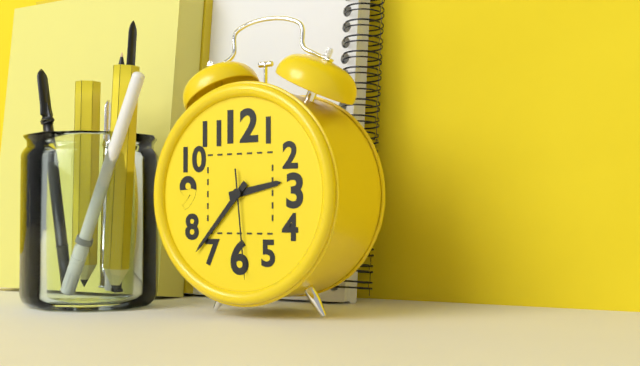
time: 2:37:29
